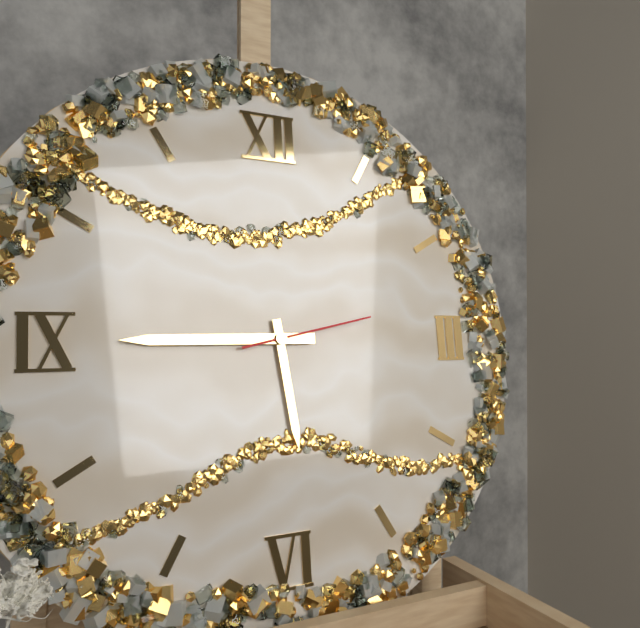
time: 5:45:13
